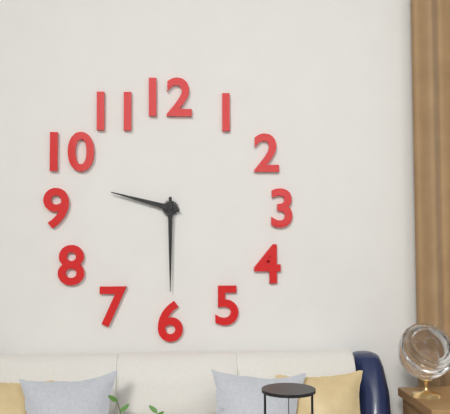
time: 9:30
